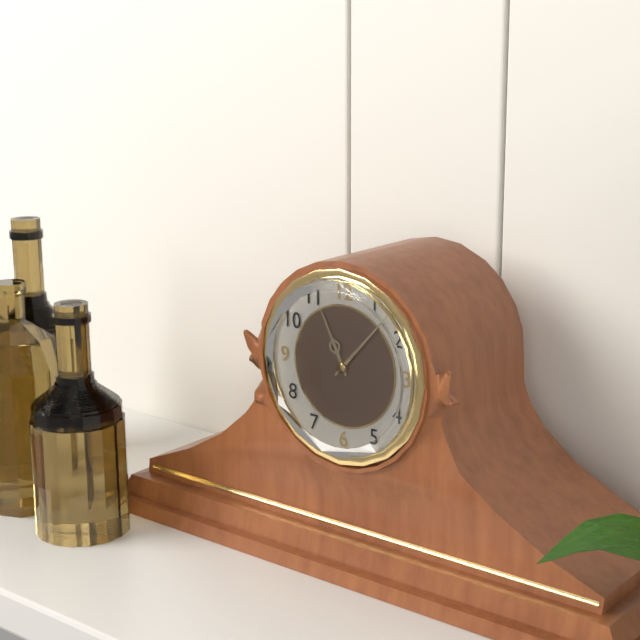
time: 11:07
